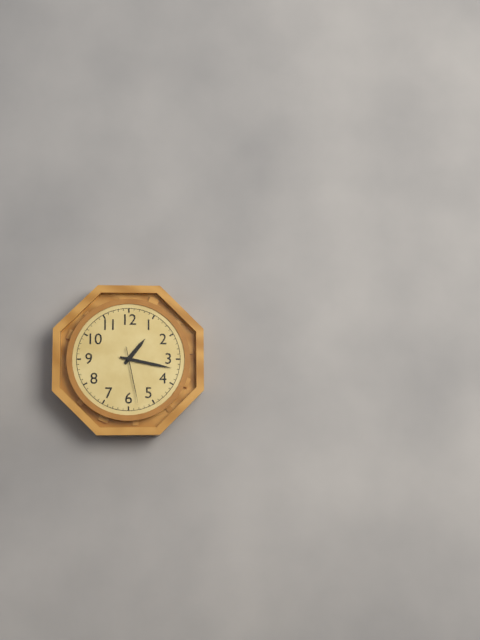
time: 1:17:28
